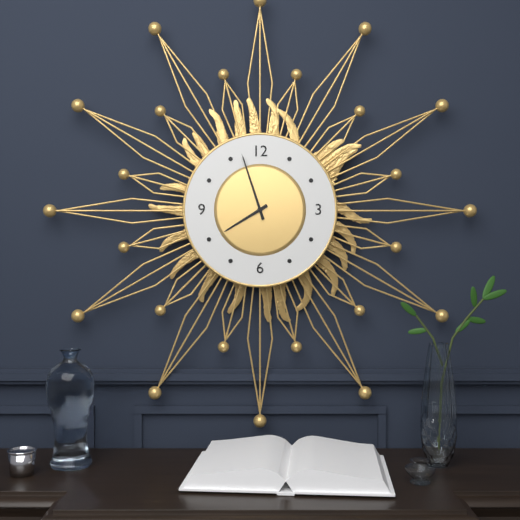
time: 7:57
